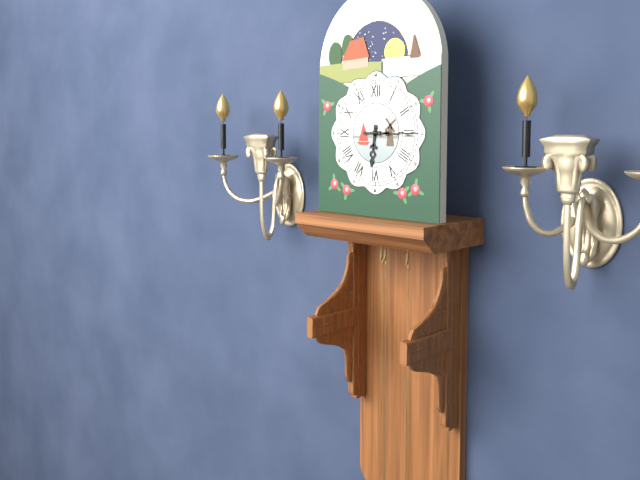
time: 6:15
